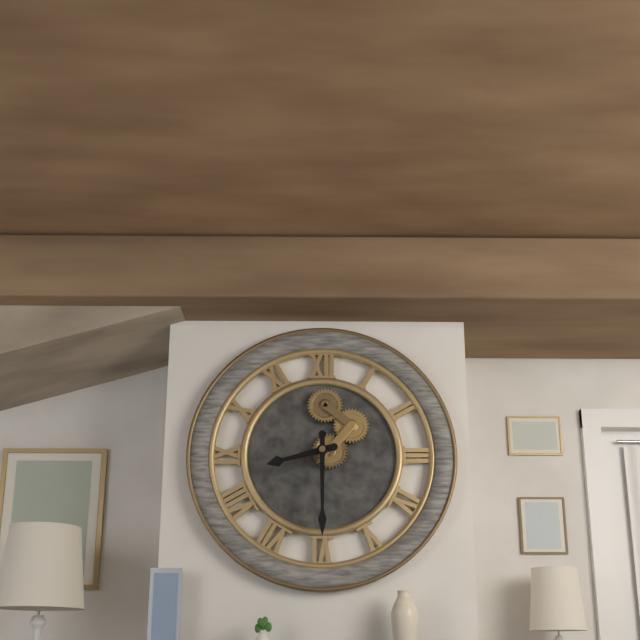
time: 8:30
